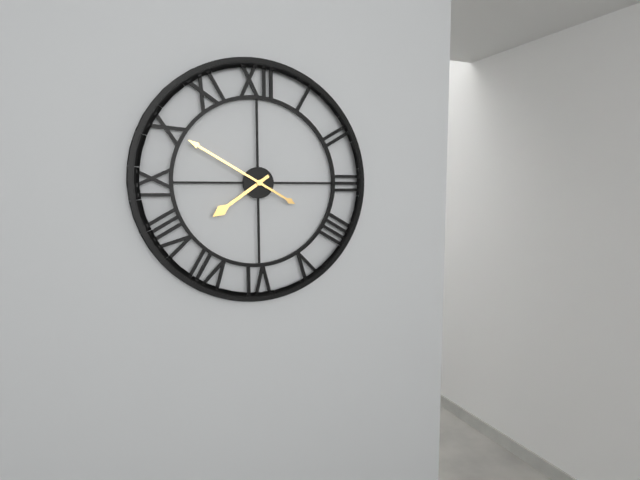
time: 7:50
